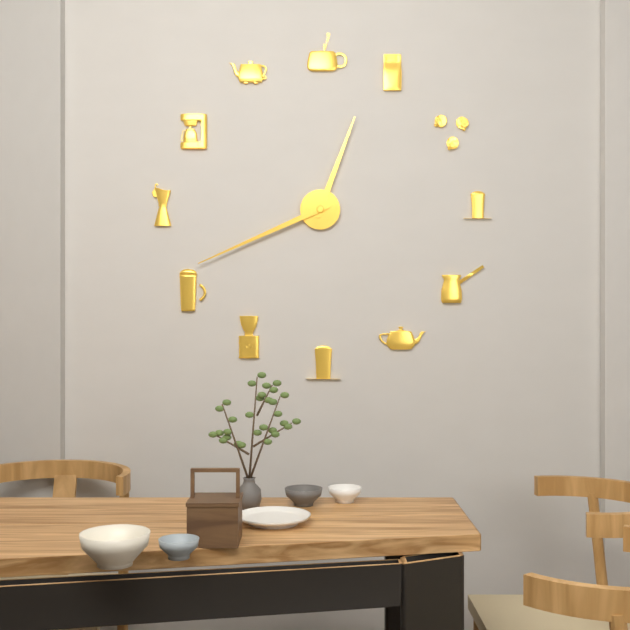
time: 12:41
